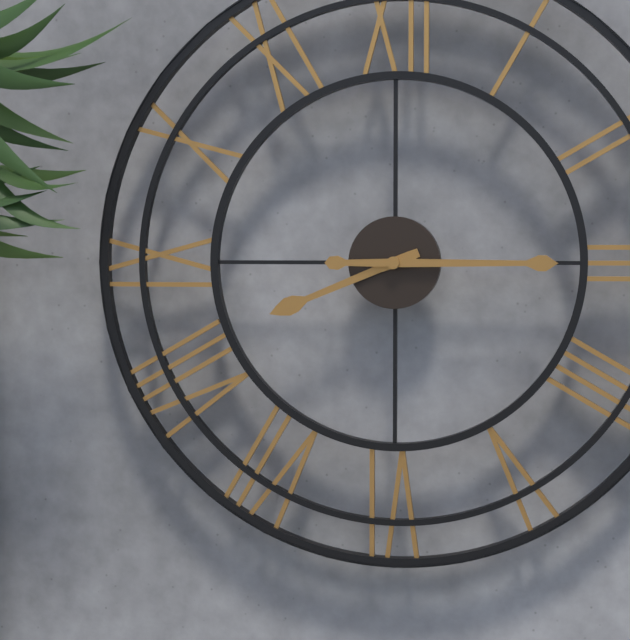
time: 8:15
